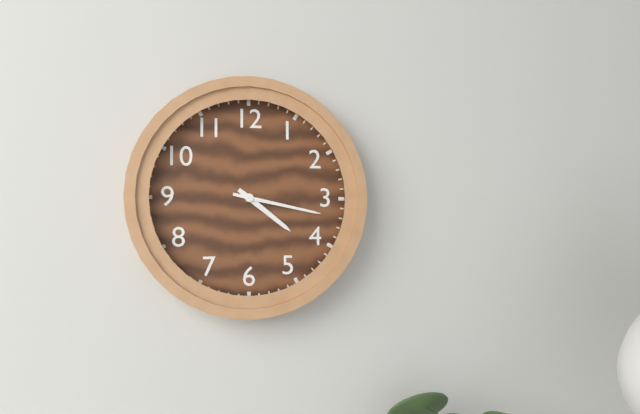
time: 4:17
